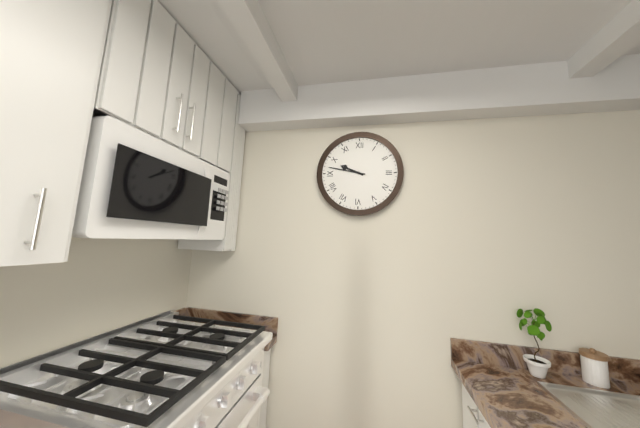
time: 9:47
